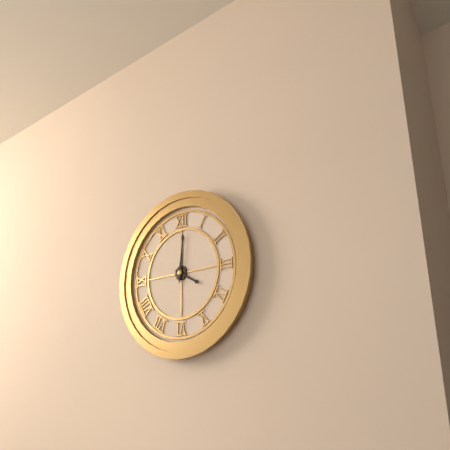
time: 4:01
